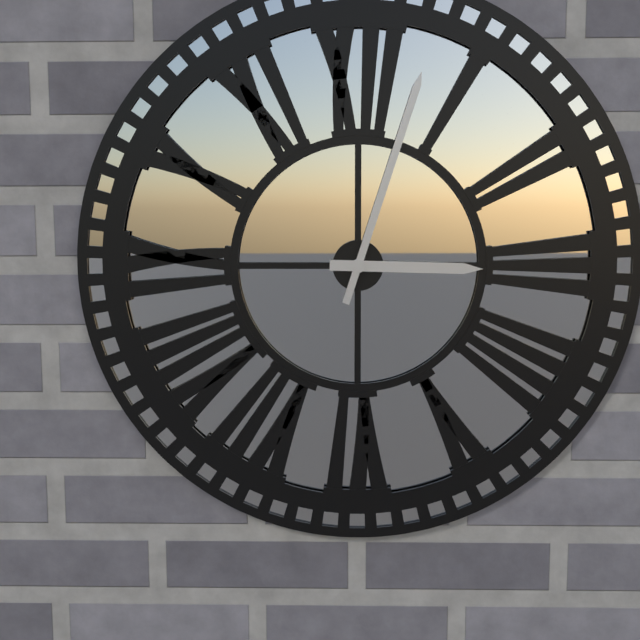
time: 3:03
